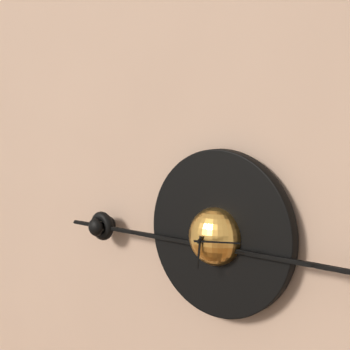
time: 6:14
